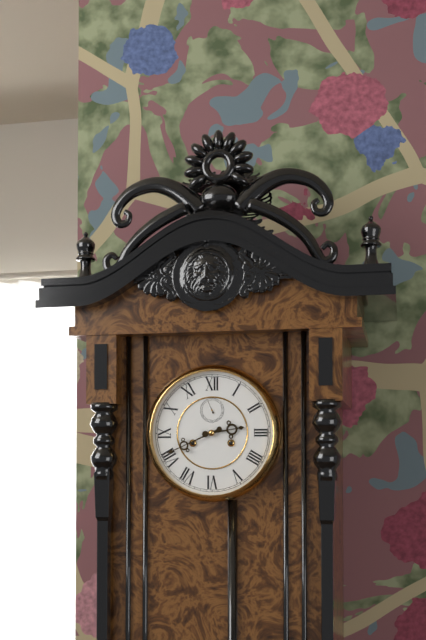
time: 2:41
